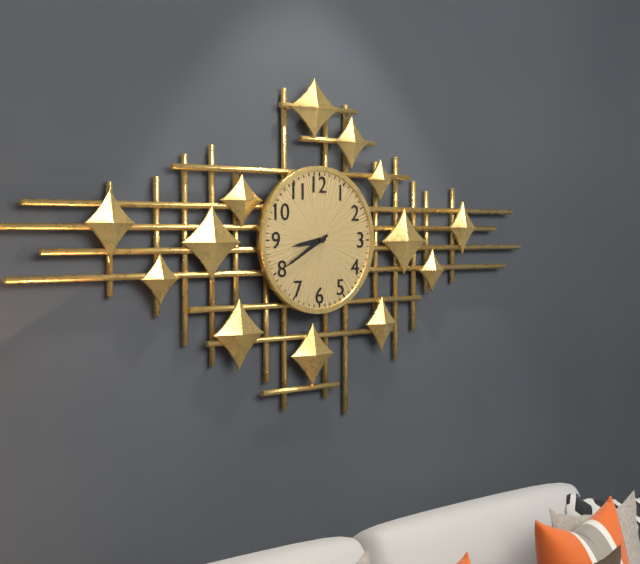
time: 8:40
